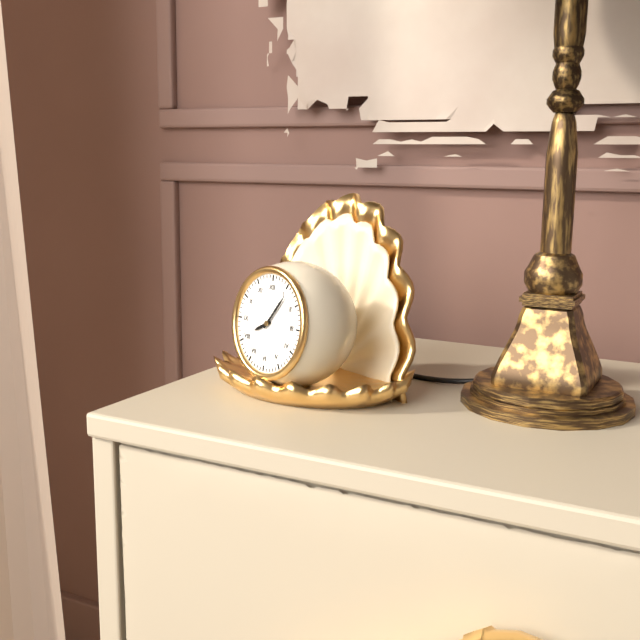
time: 8:06
